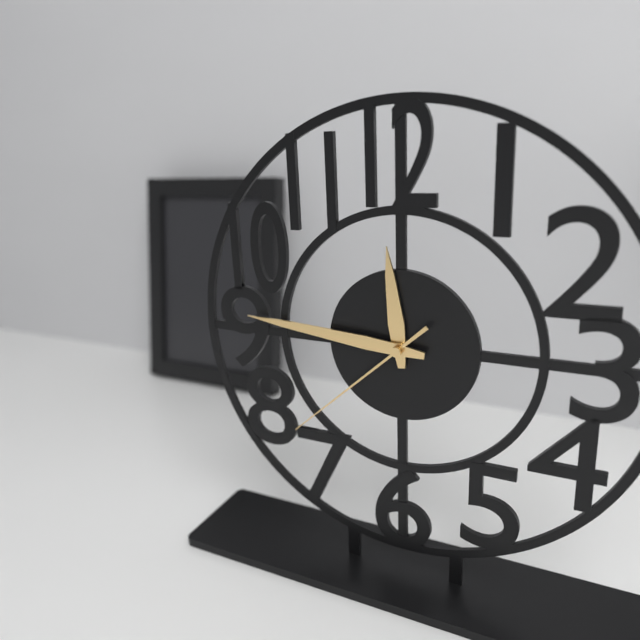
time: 11:46:38
